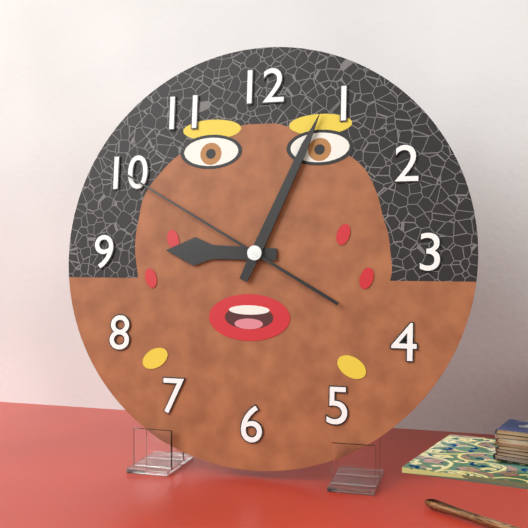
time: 9:04:50
